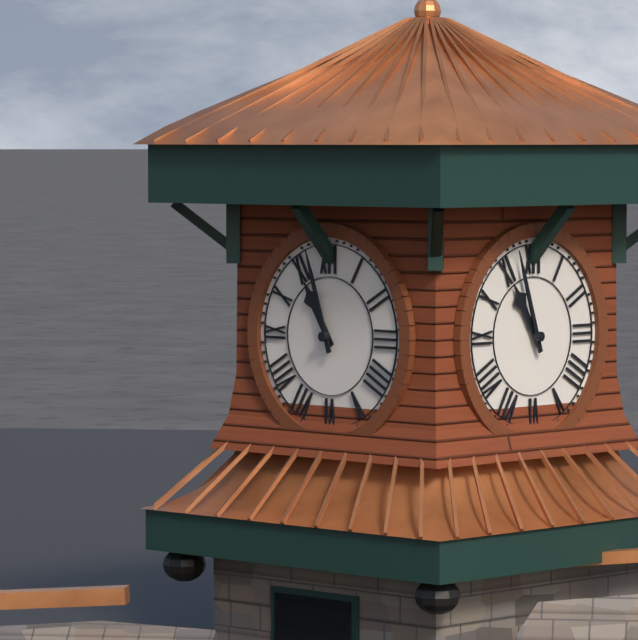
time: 10:57
